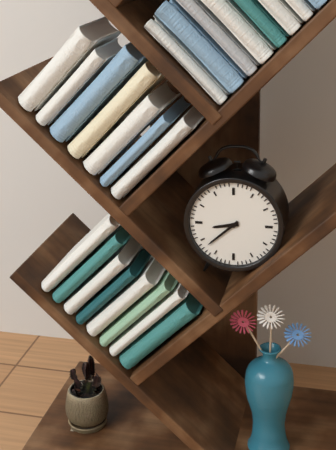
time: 8:38
